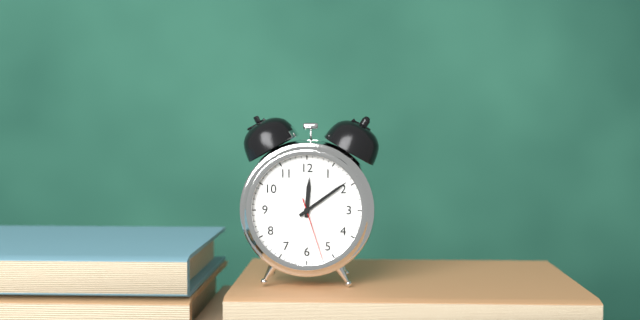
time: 12:09:27
